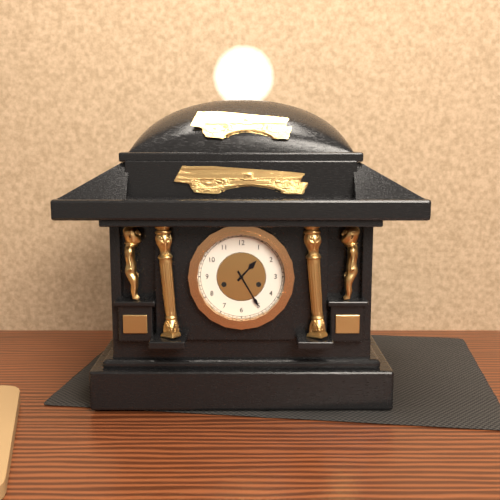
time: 1:25
